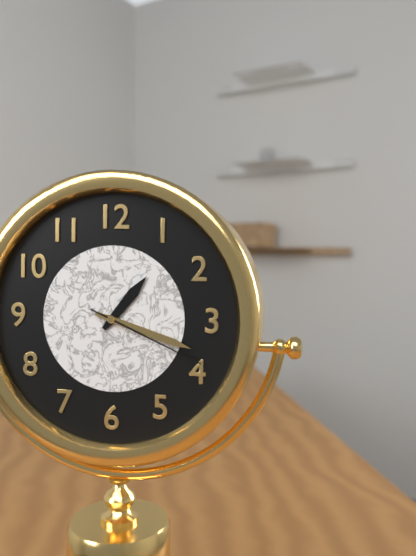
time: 1:18:19
